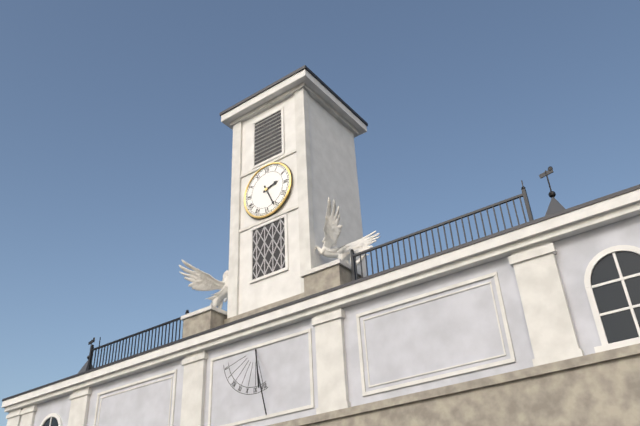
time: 2:26
